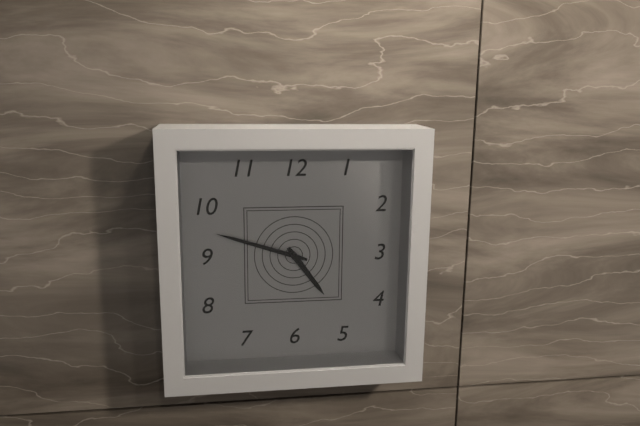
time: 4:48
